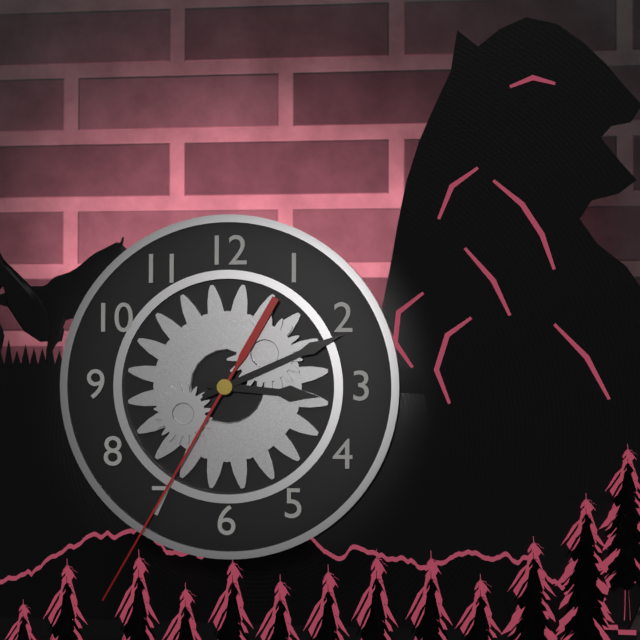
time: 3:11:35
